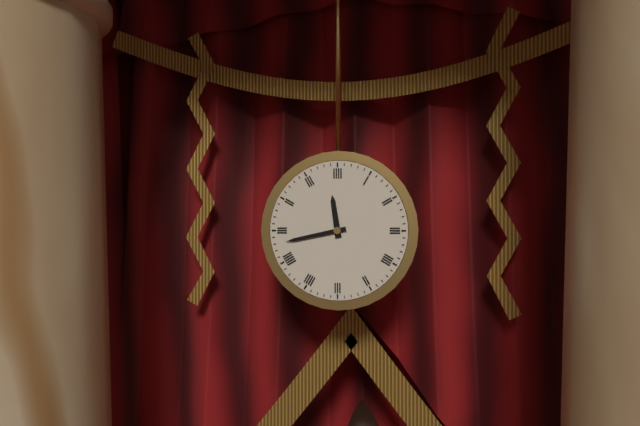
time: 11:43
